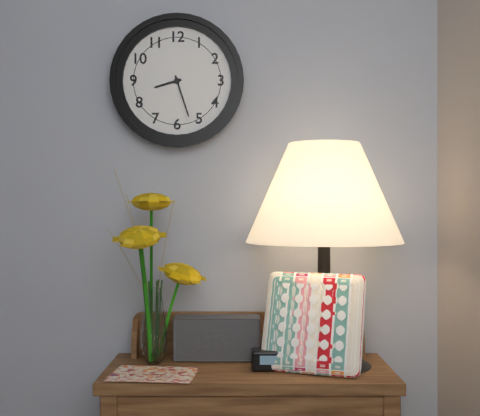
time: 8:27
